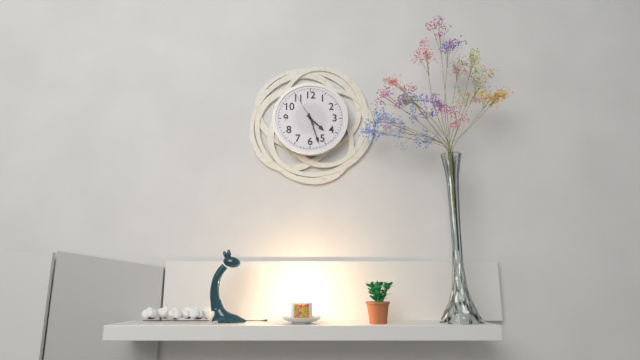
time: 4:27
